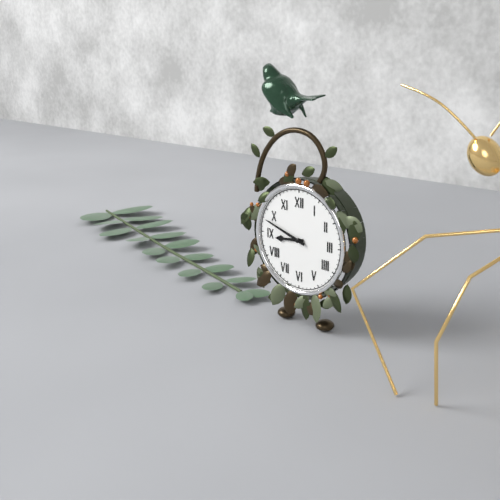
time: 8:48
